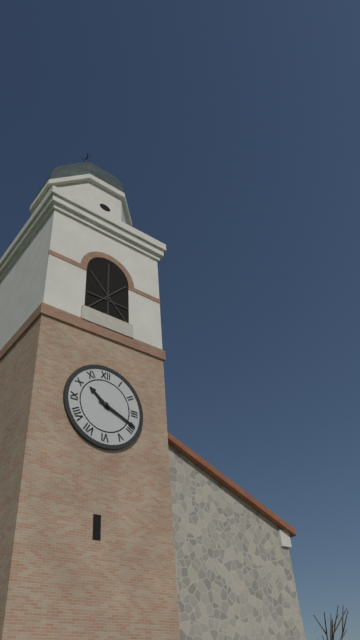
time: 10:19
